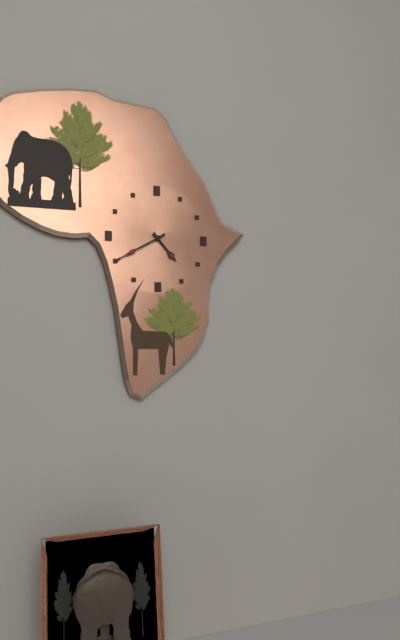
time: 4:40
